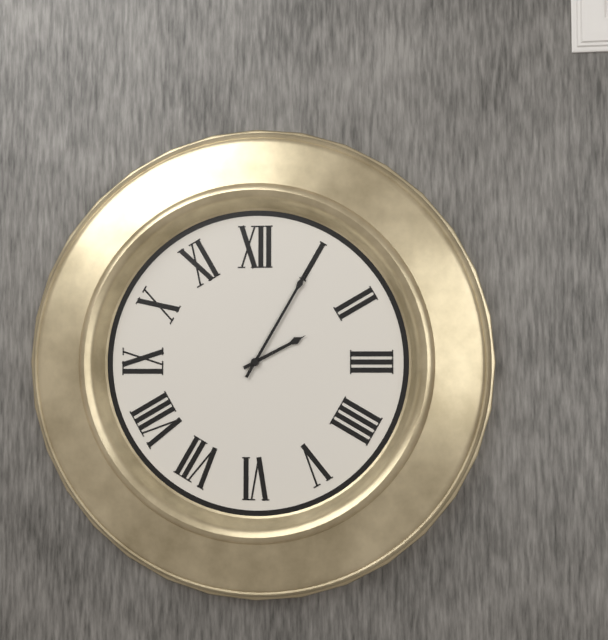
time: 2:05
